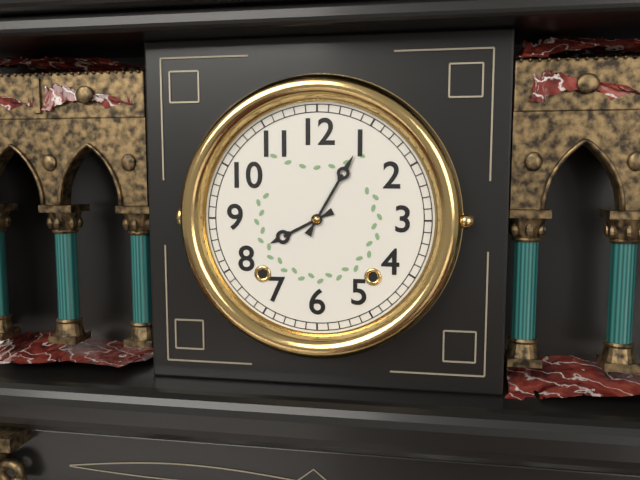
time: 8:05
